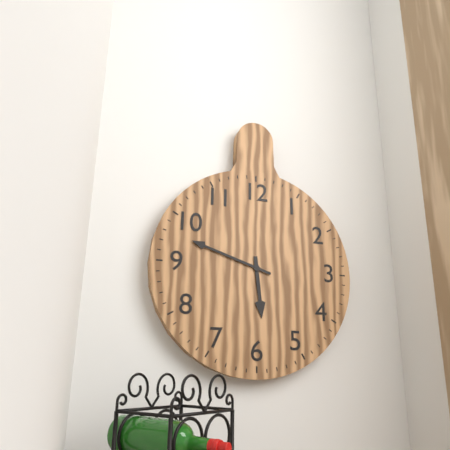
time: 5:48
